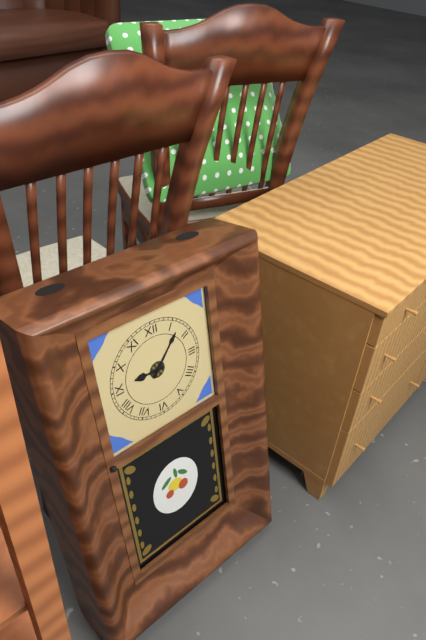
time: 9:07
